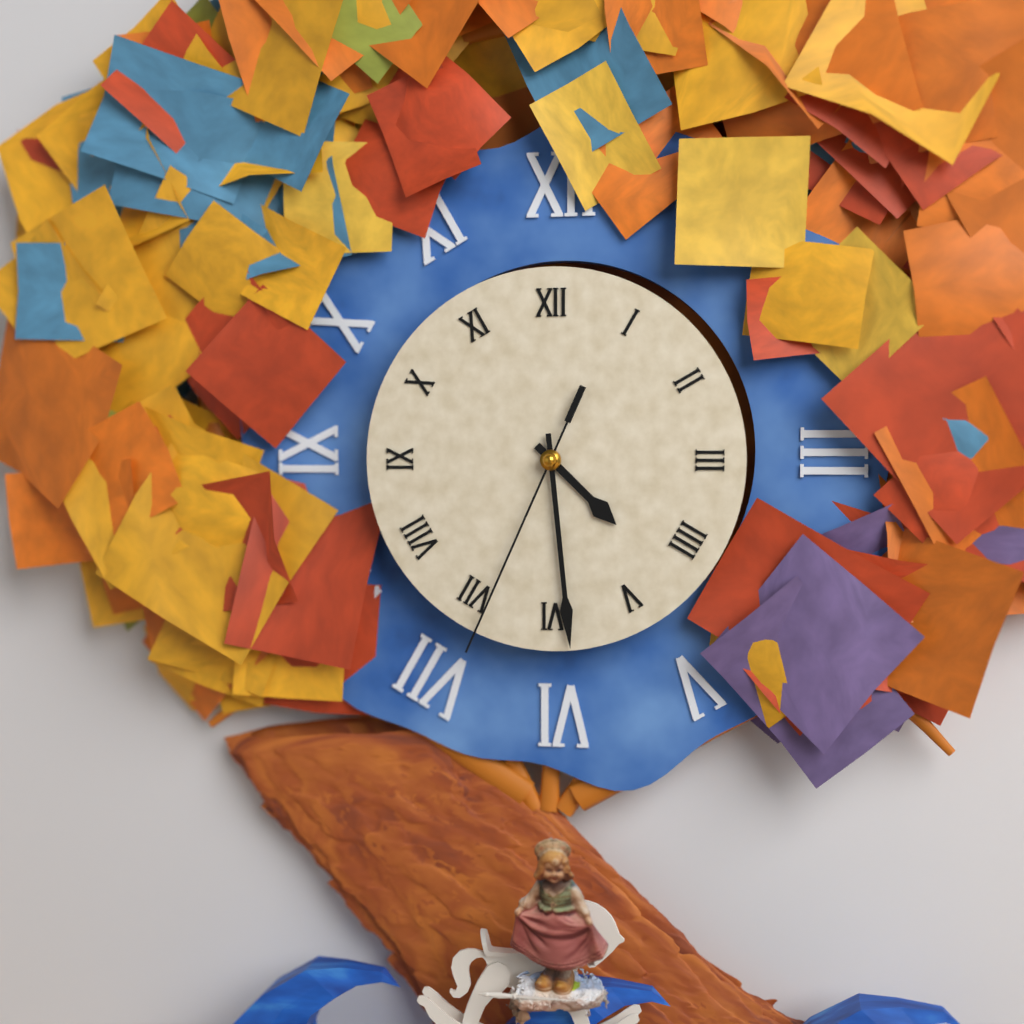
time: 4:29:34
